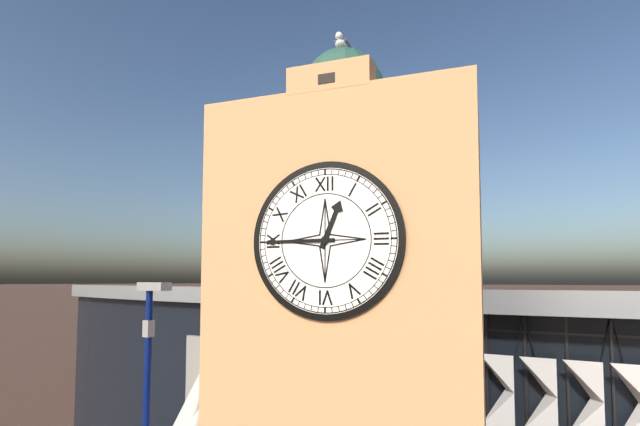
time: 12:45
